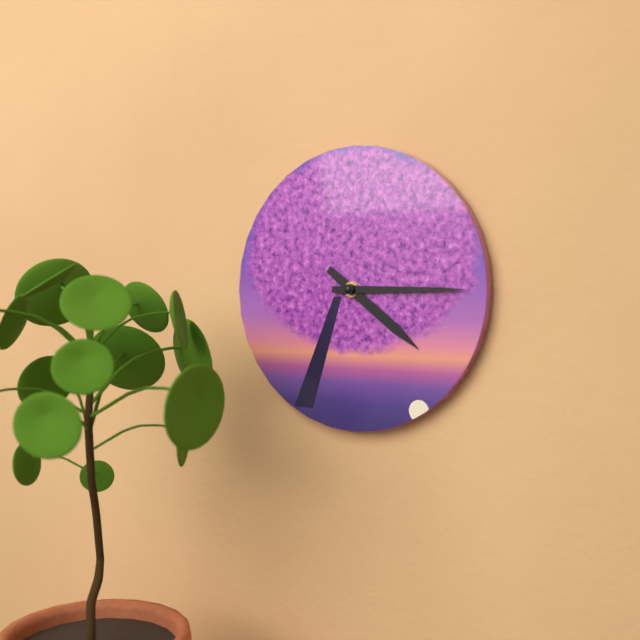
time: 4:15
